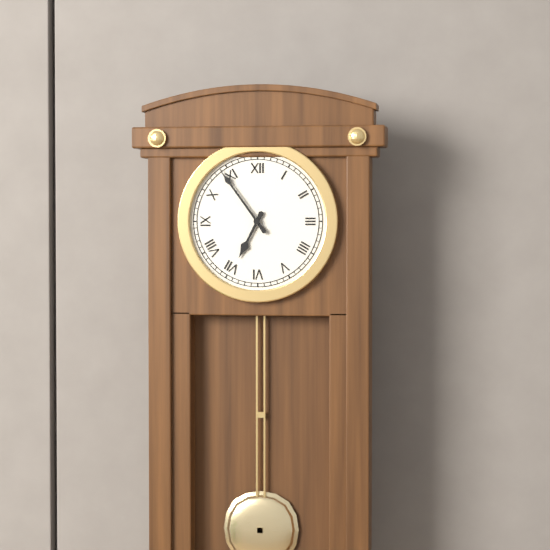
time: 6:54
